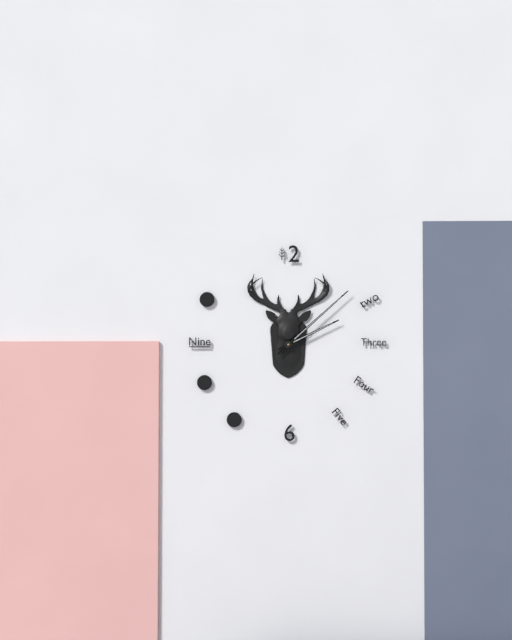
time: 2:08
